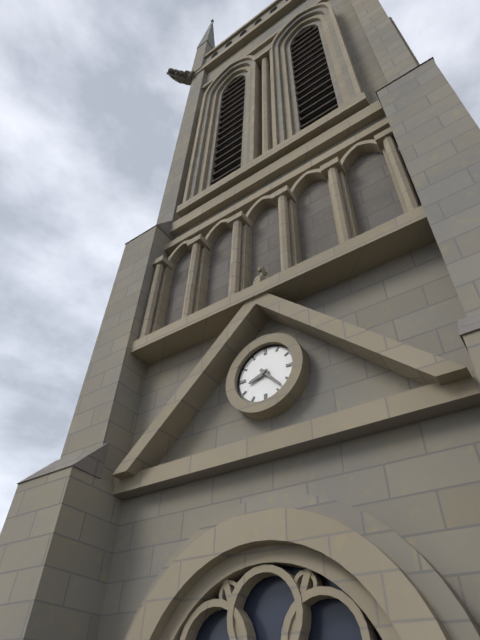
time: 8:23
